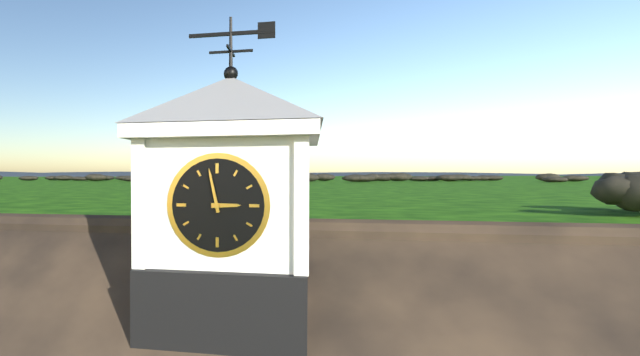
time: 2:58
